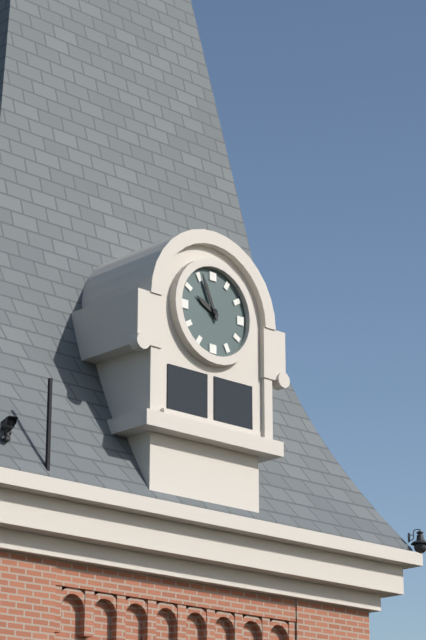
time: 9:56
